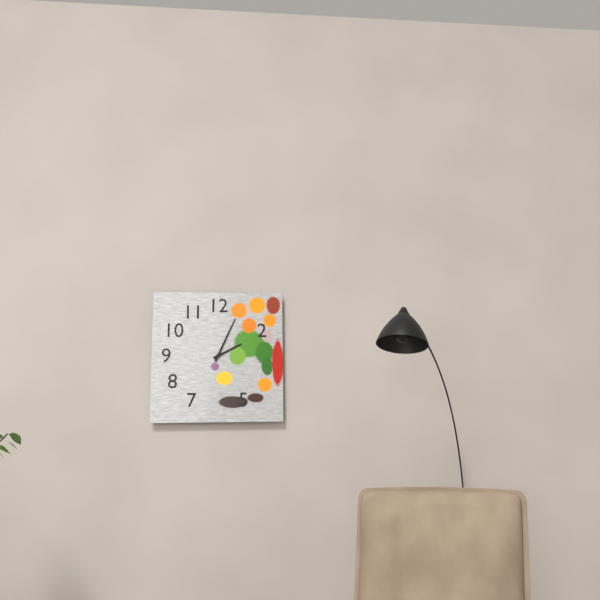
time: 2:04
